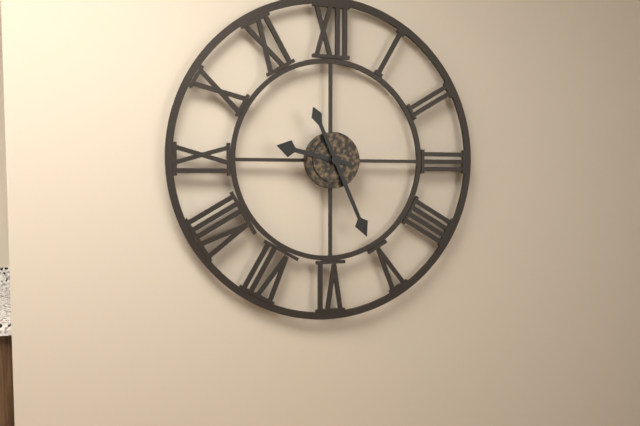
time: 9:26
